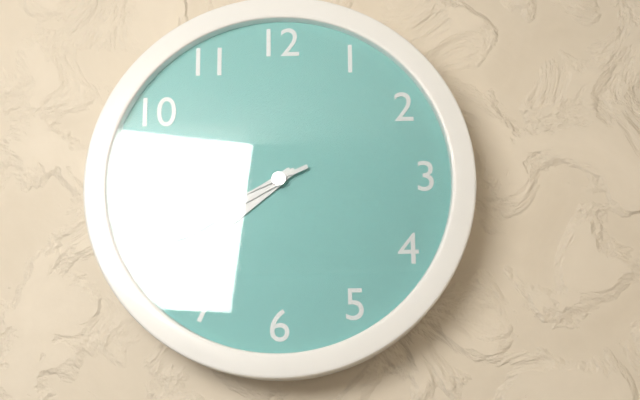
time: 7:40:41
